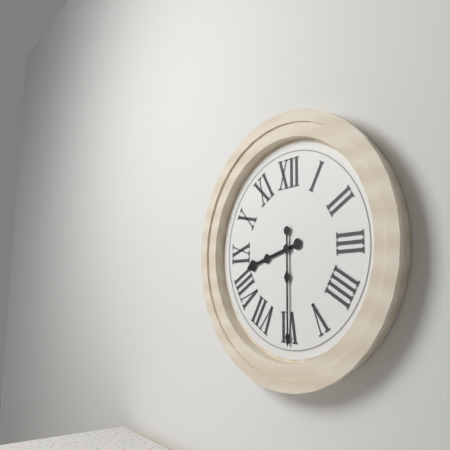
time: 8:30
